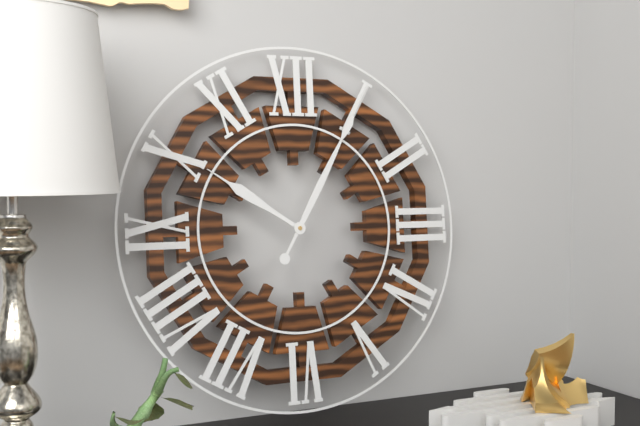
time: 10:05
